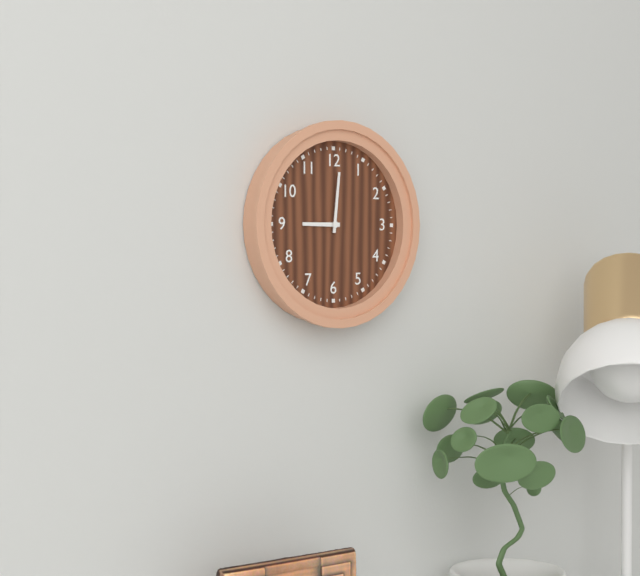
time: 9:01
